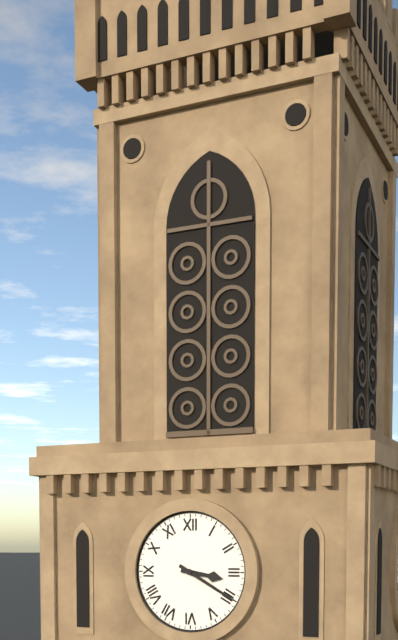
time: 3:20
